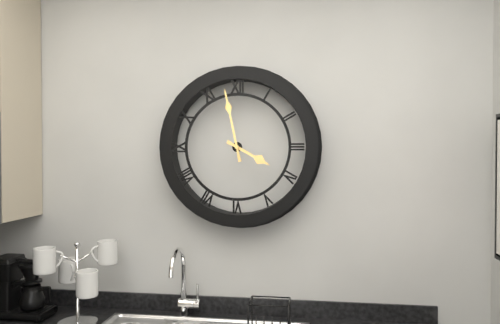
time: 3:58
